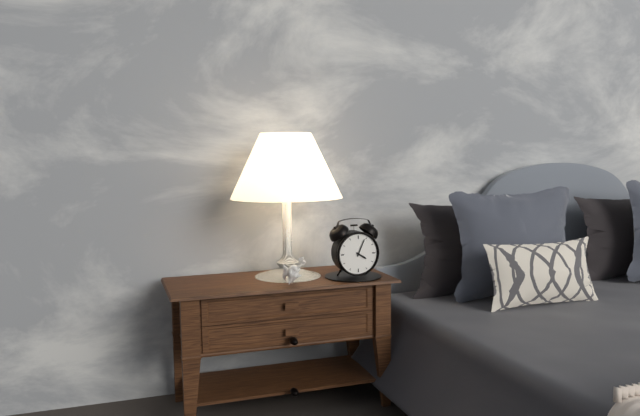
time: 4:04
